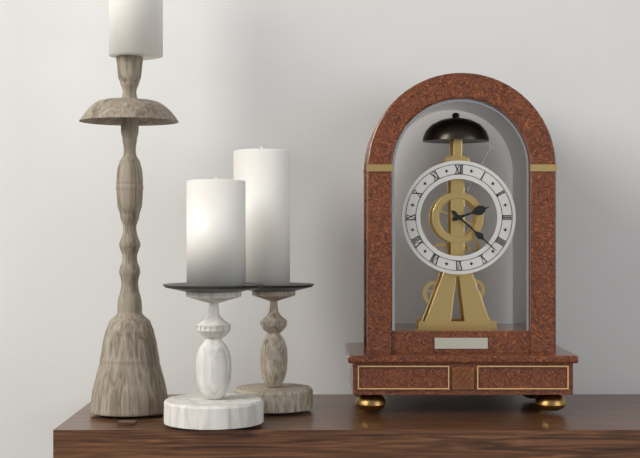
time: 2:22
